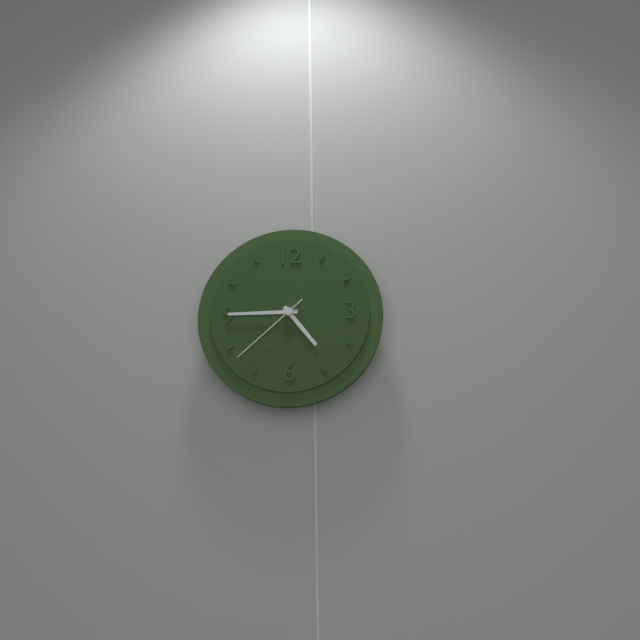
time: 4:45:38
